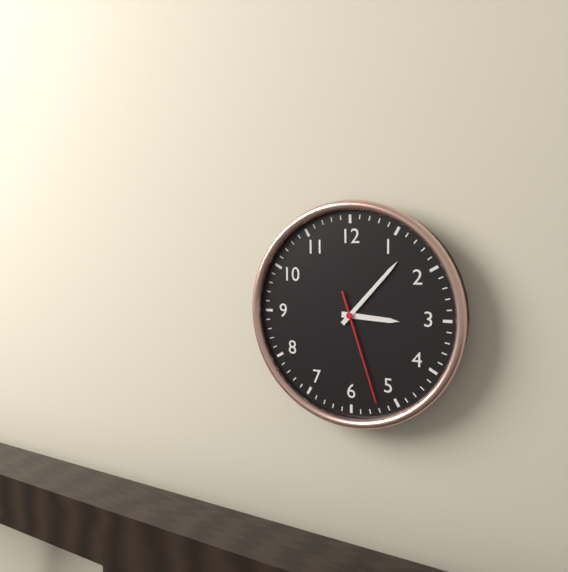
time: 3:07:27
